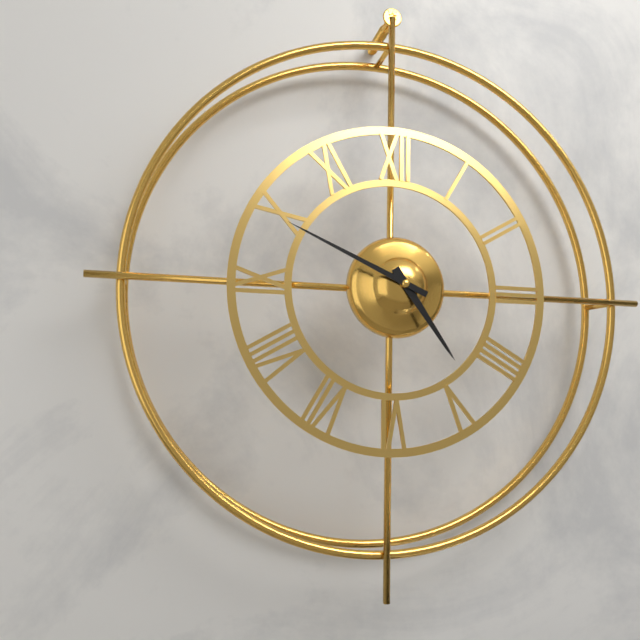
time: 4:49
